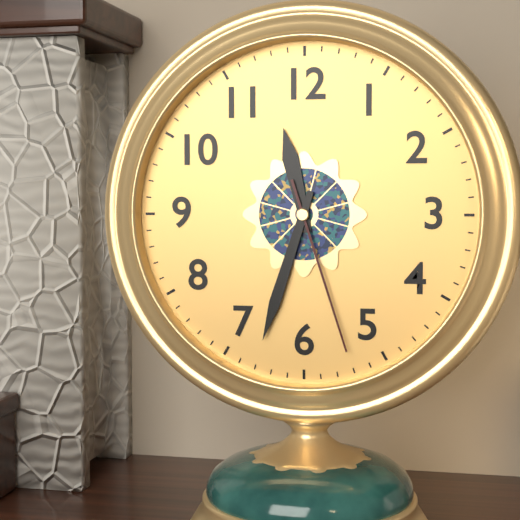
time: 11:33:27
